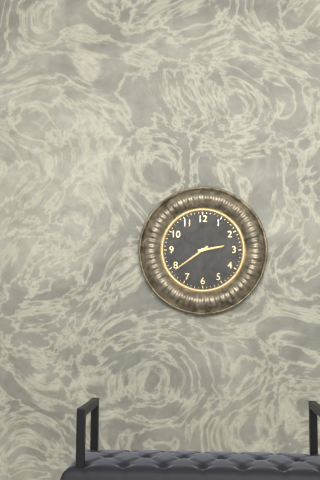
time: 2:39
